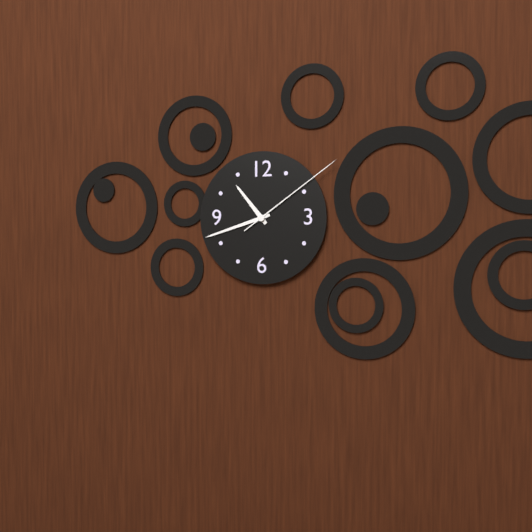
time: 10:42:09
